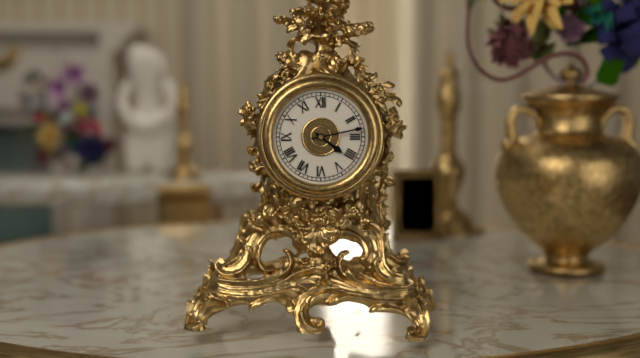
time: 4:13
